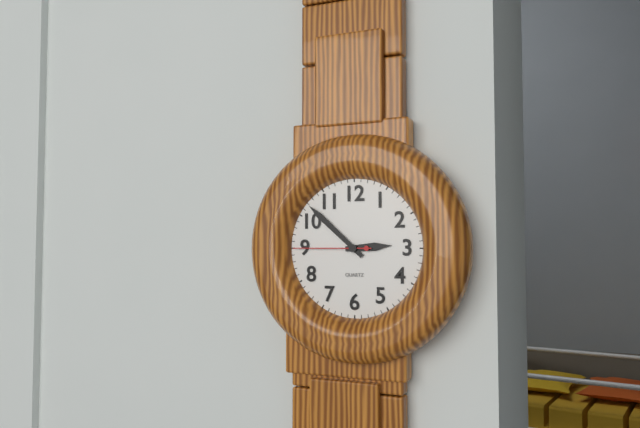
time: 2:52:45
